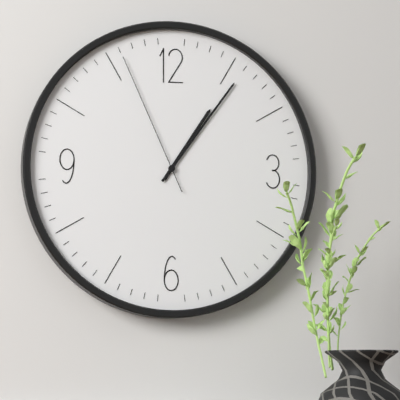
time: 1:06:56
